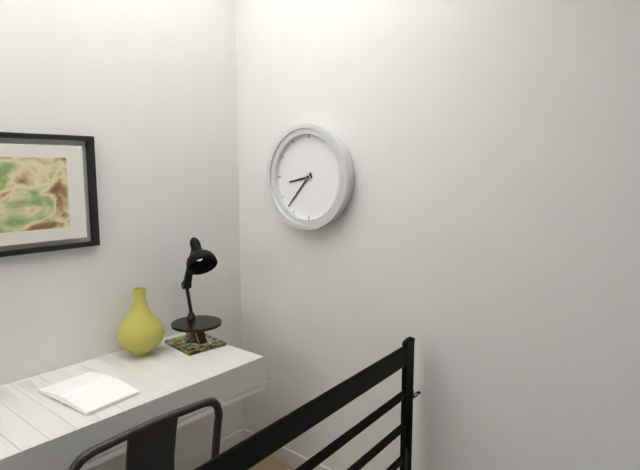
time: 8:37
